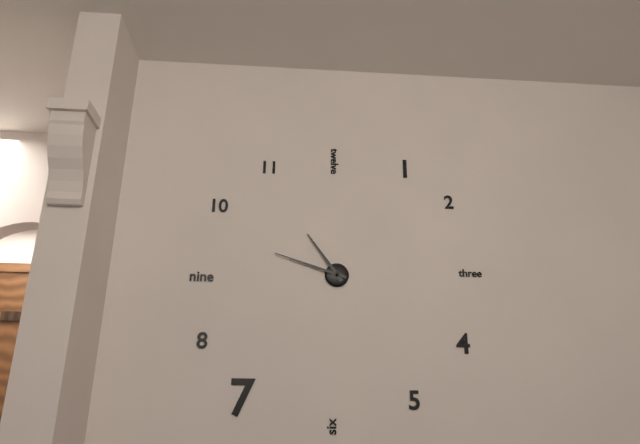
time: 10:48
